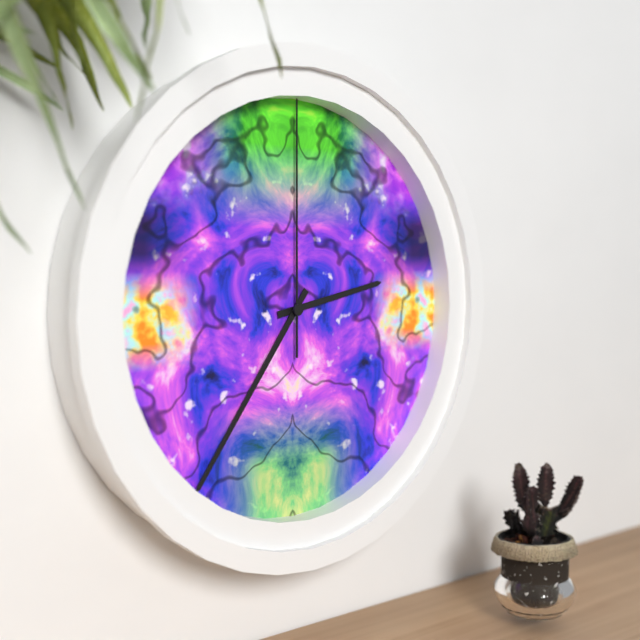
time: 2:36:00
